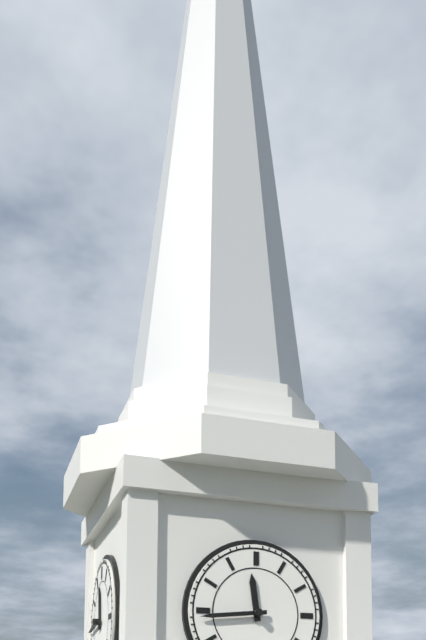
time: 11:44
